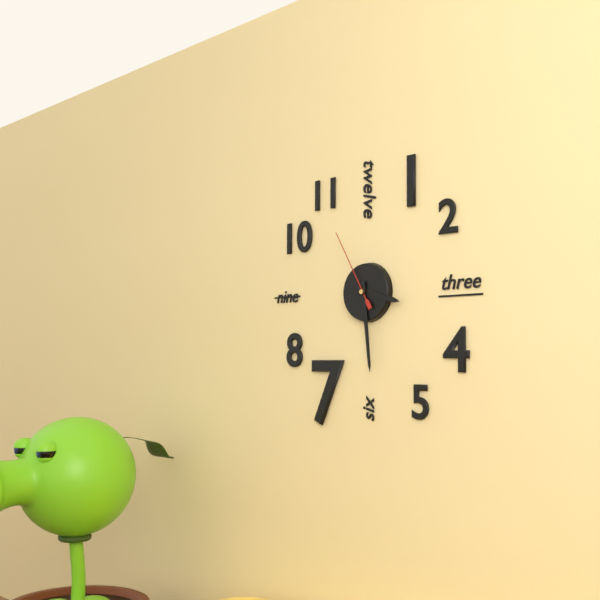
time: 3:29:55
